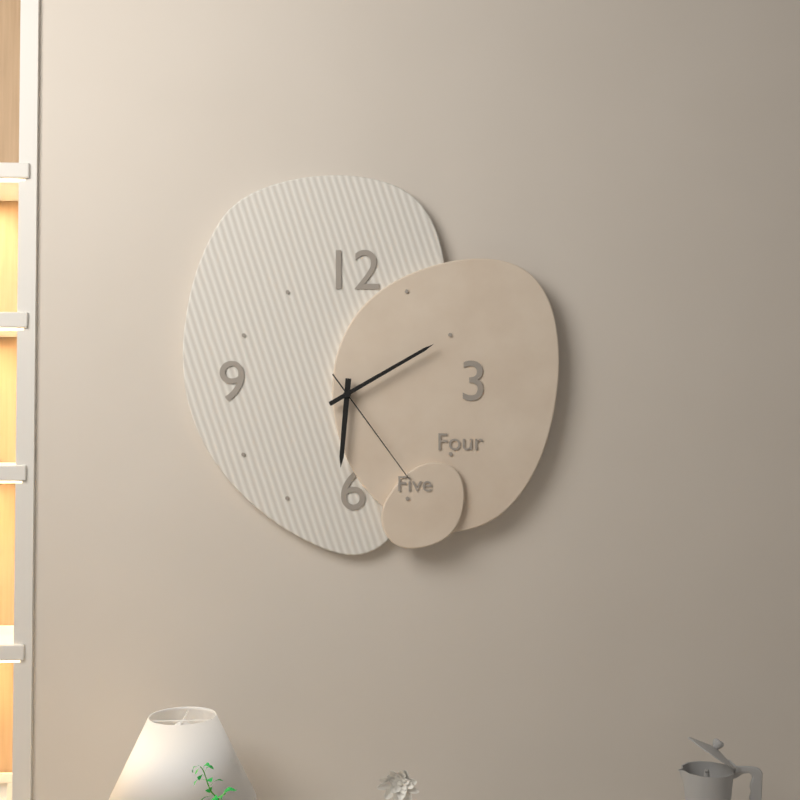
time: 6:10:24
